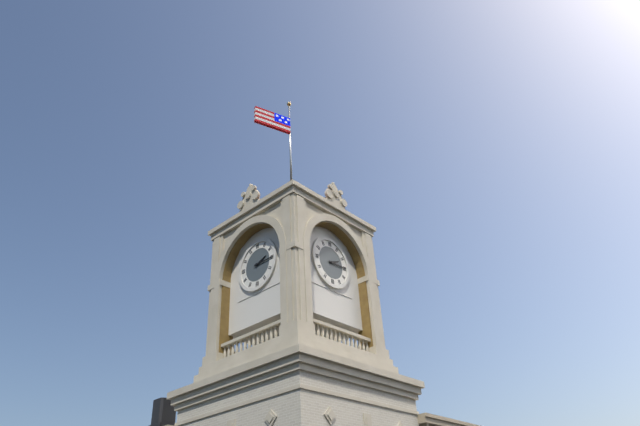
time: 2:15
